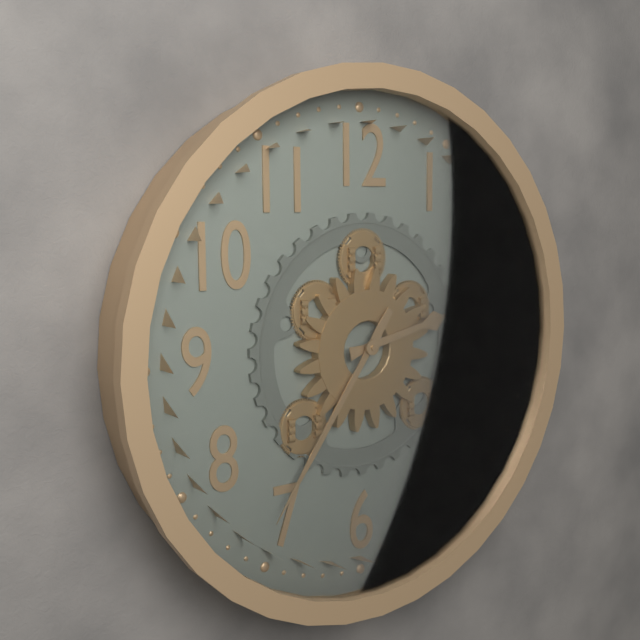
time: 2:36
